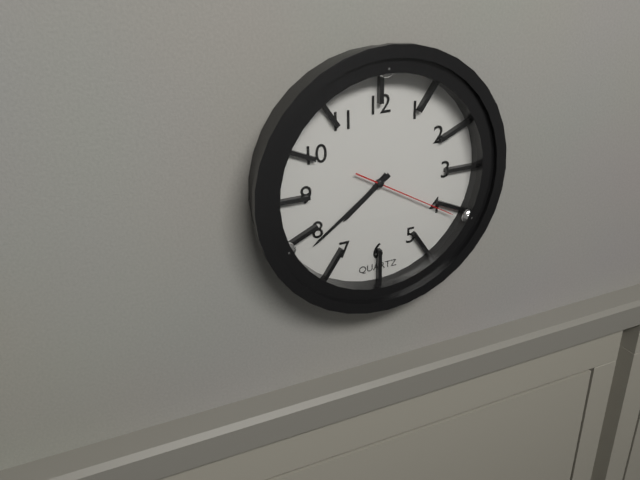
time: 7:39:20
